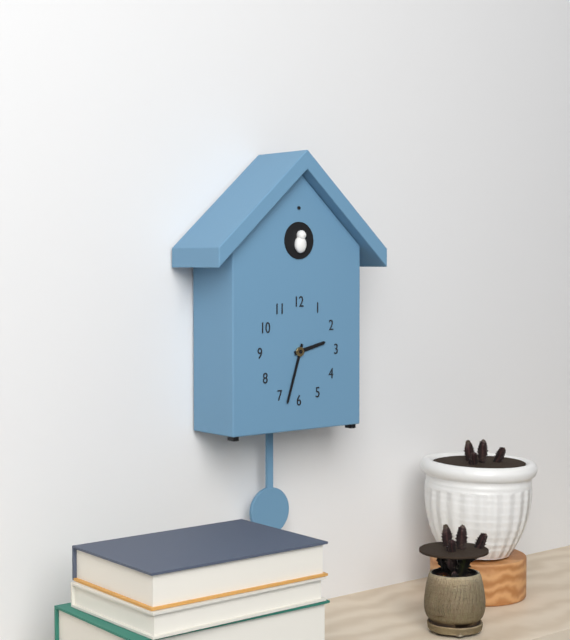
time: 2:33
